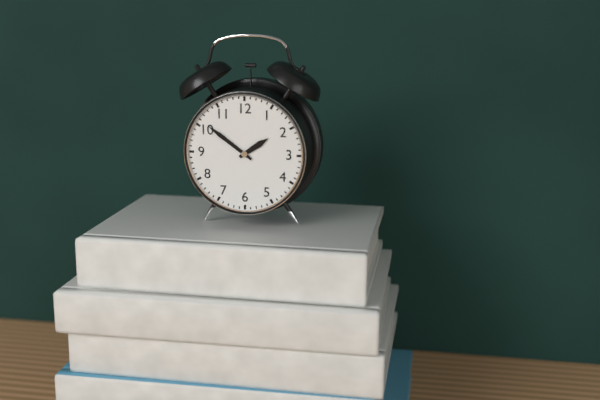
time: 1:51
